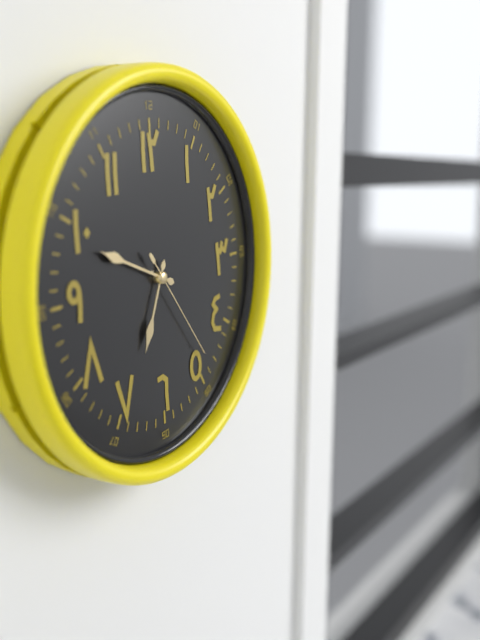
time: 6:49:24
